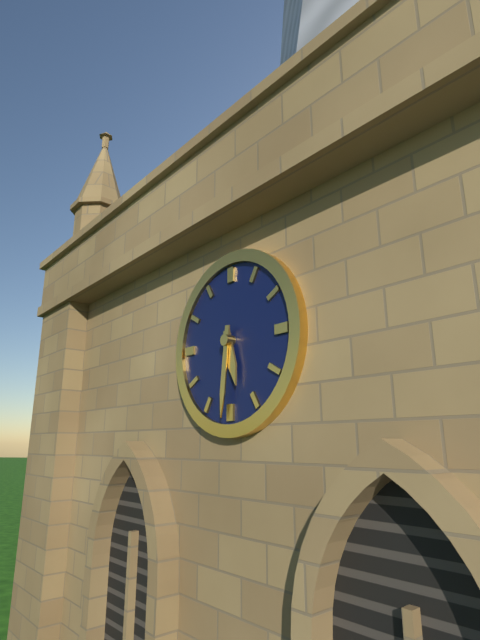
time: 5:31
